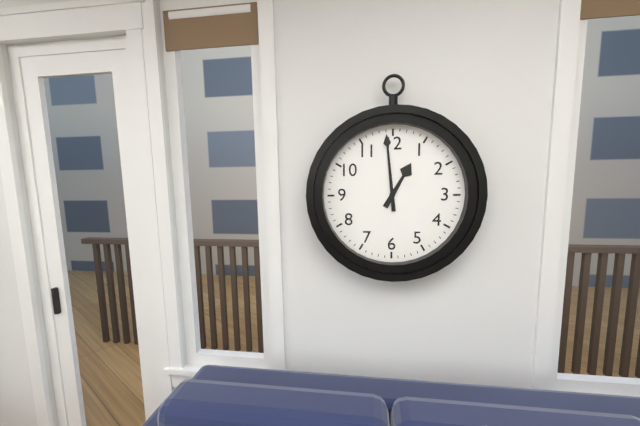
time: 12:59
